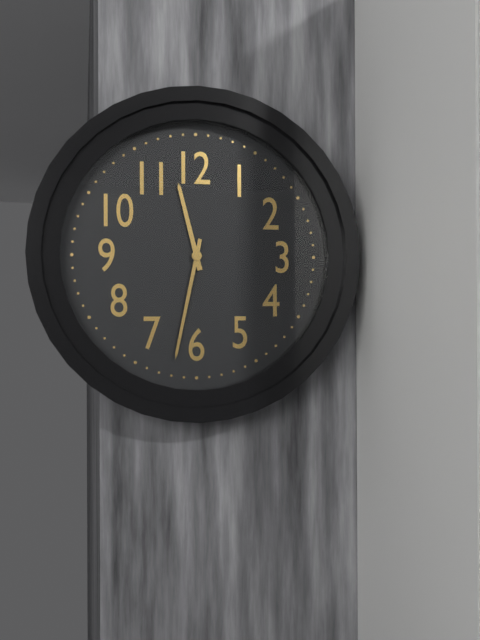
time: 11:32
